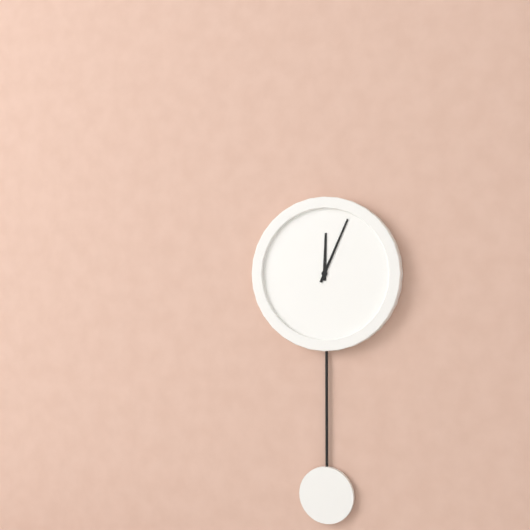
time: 12:04
